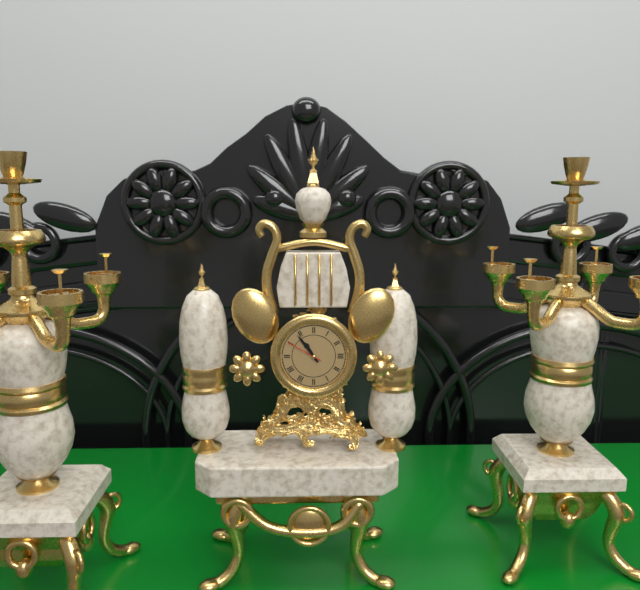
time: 10:54
